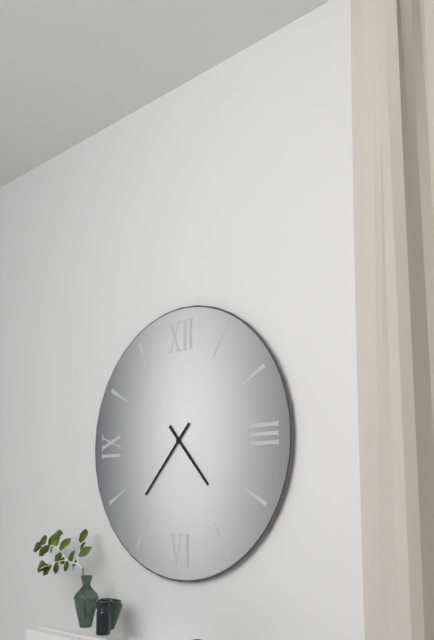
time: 4:37
